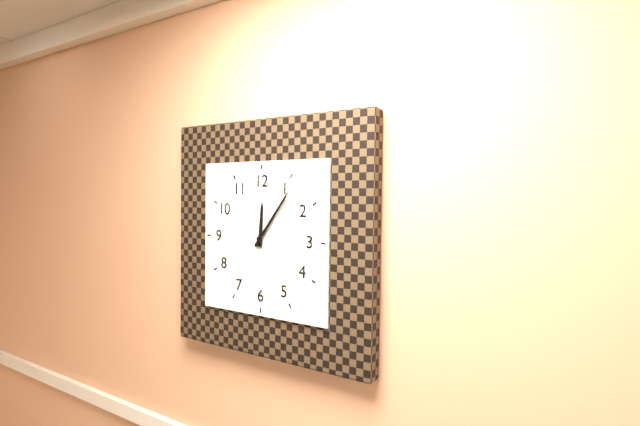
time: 12:06
